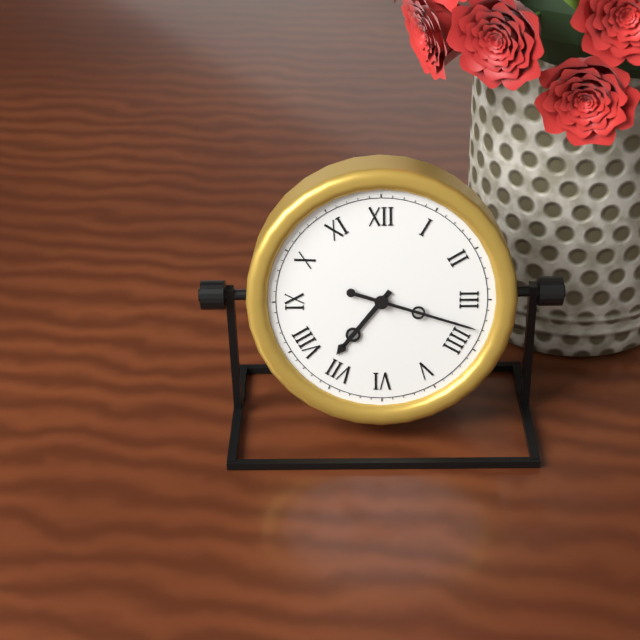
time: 7:18
